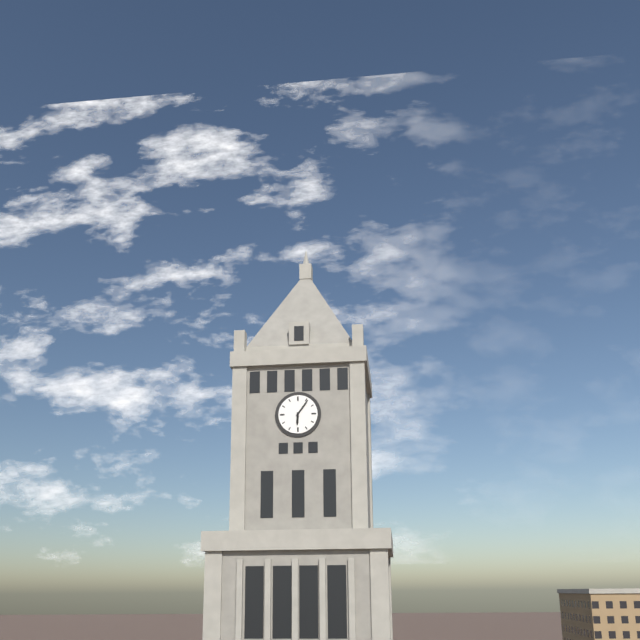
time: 6:06
